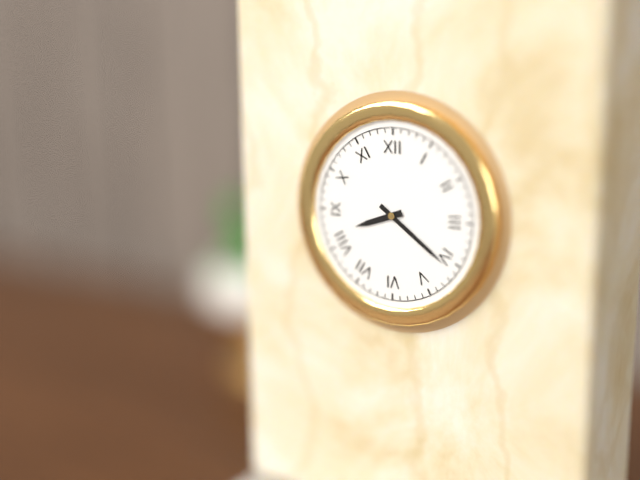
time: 8:21
